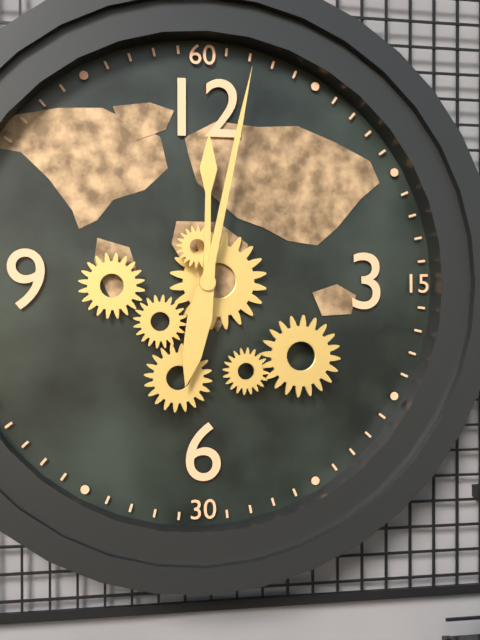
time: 12:02
